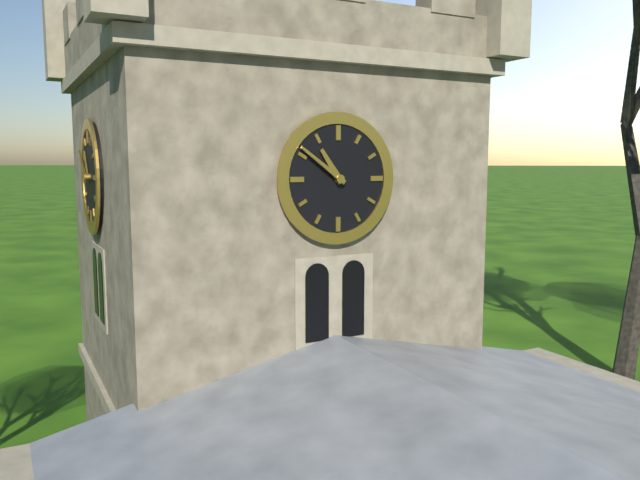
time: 10:51
